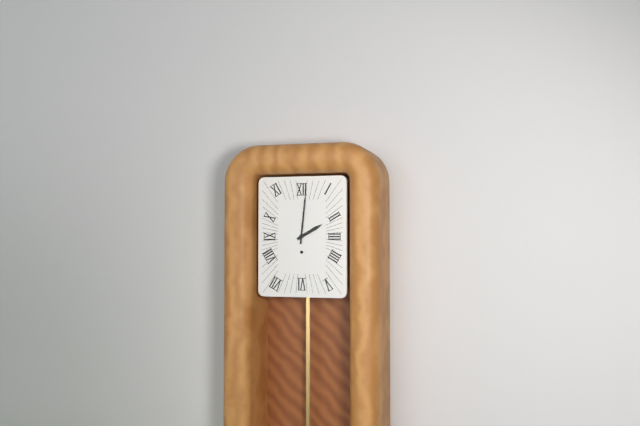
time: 2:01
